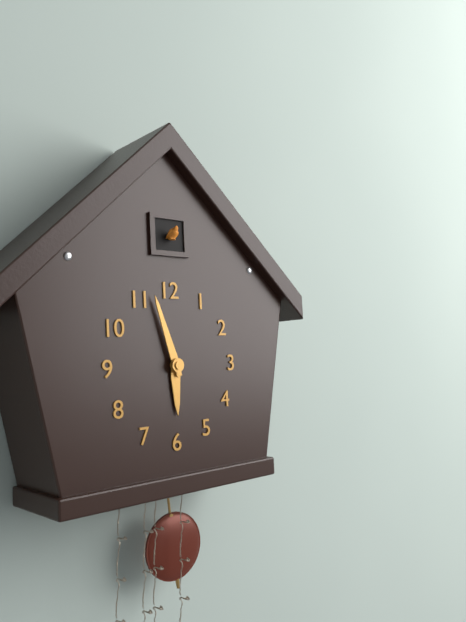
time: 5:57
